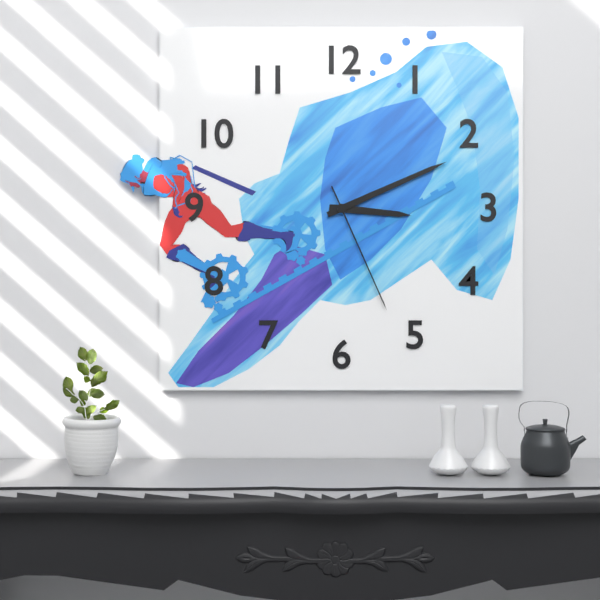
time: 3:11:26
